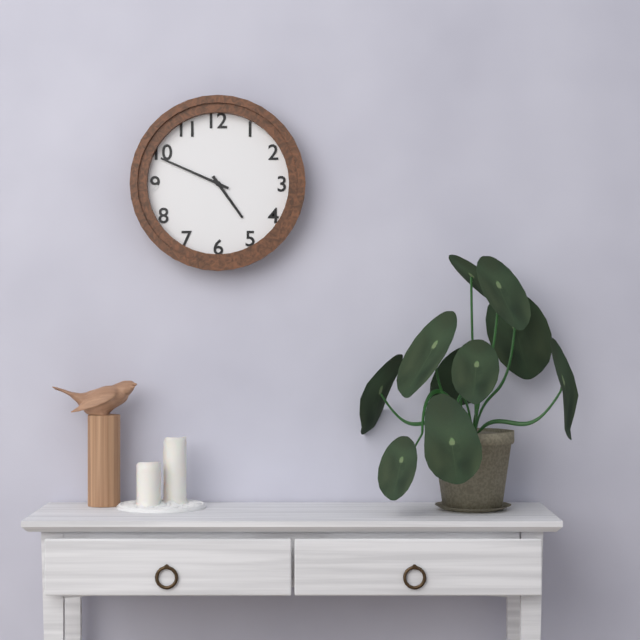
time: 4:49
